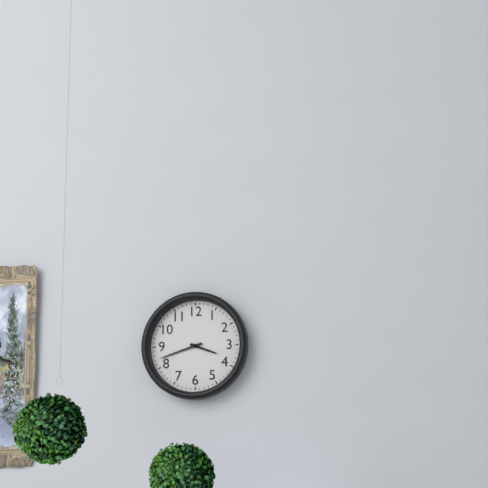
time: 3:42
